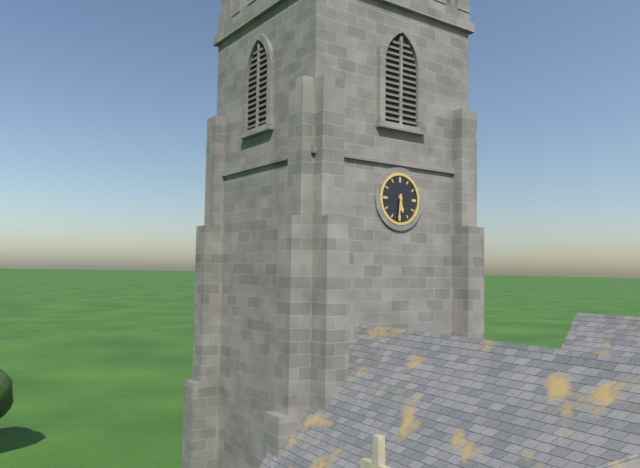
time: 5:31
